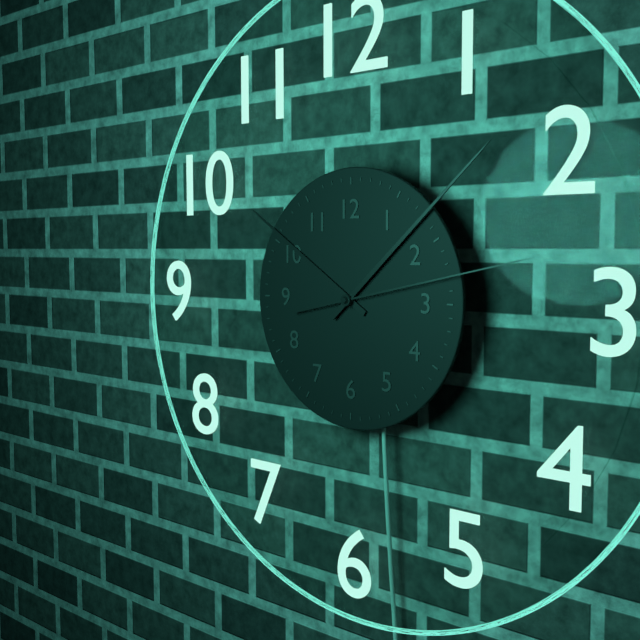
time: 10:08:13
